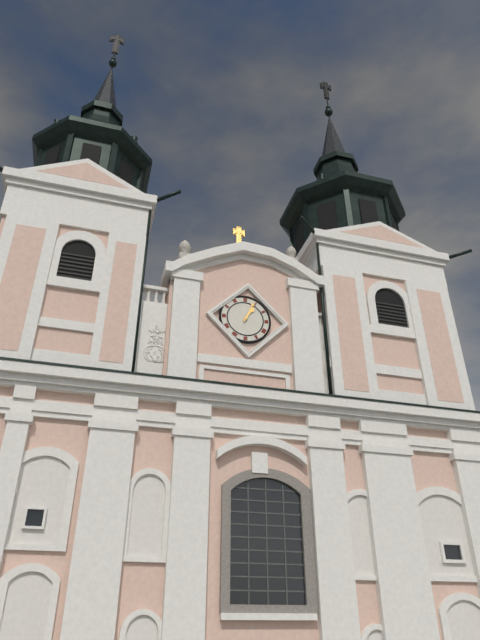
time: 1:04
